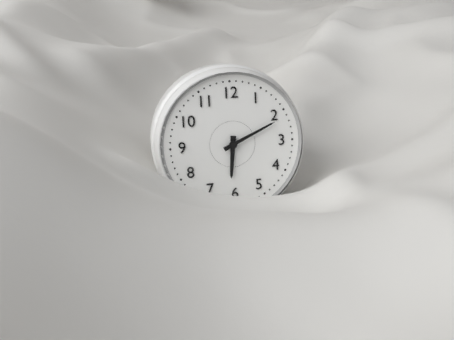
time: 6:11
